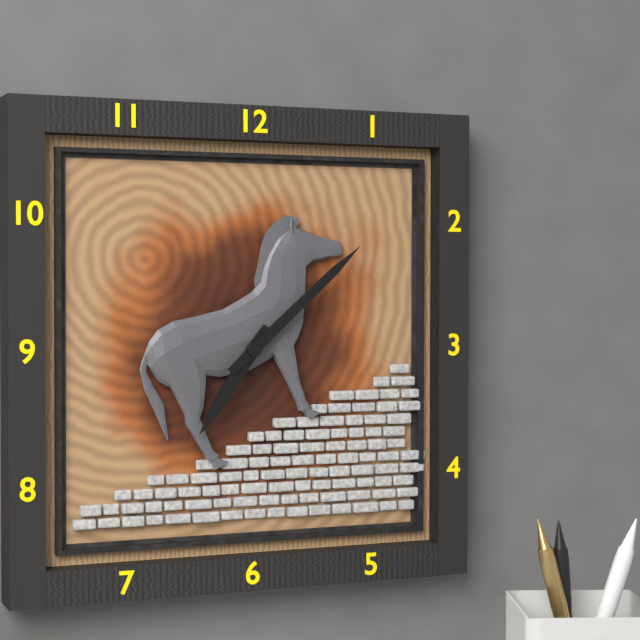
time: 7:08
